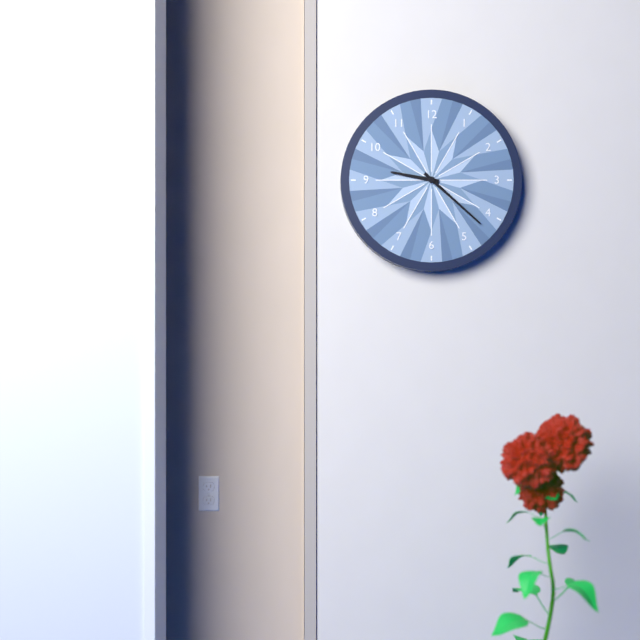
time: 9:22
